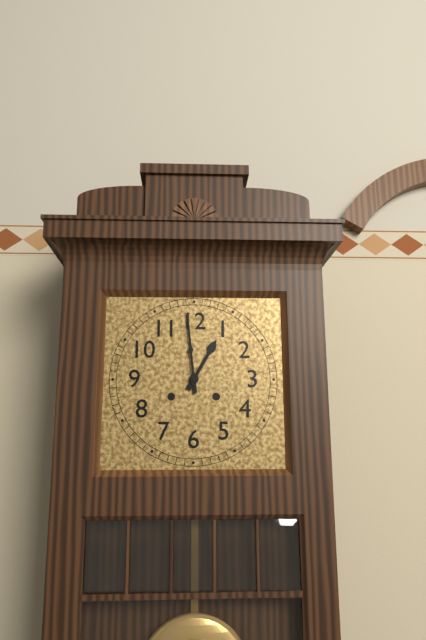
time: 12:59
